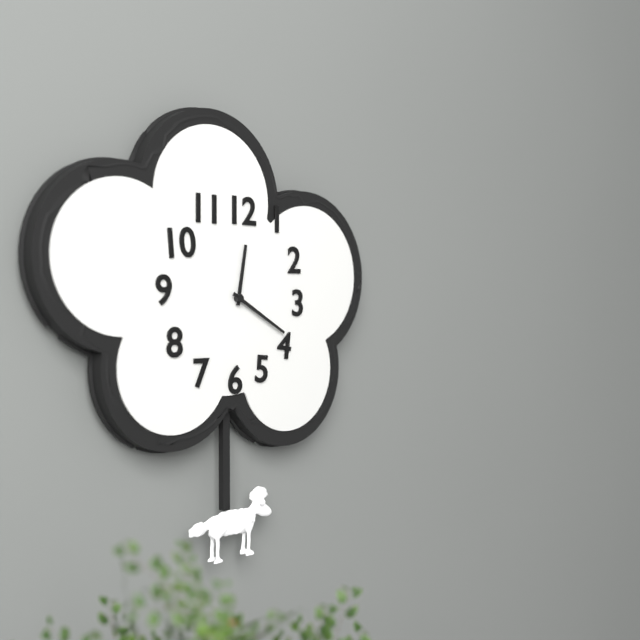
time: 12:20
